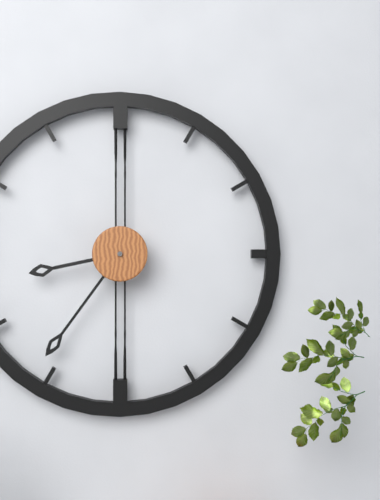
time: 8:36
